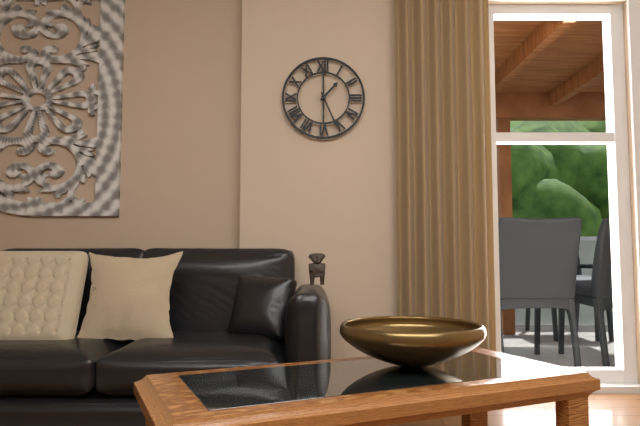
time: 1:26
